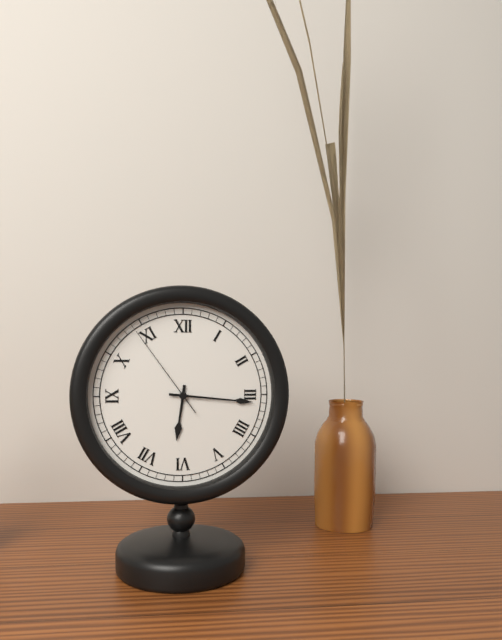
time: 6:16:54
